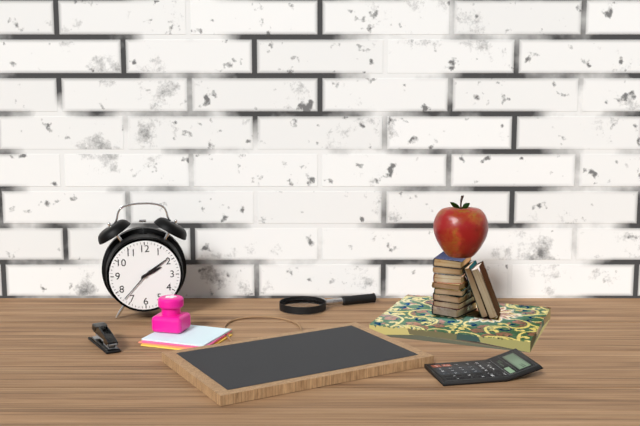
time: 2:09
